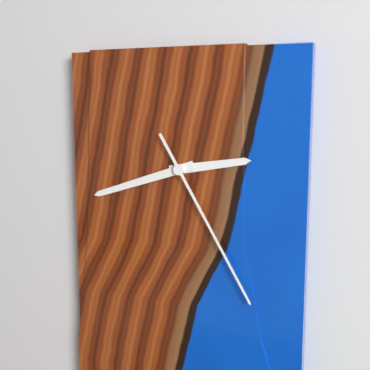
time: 2:42:25
